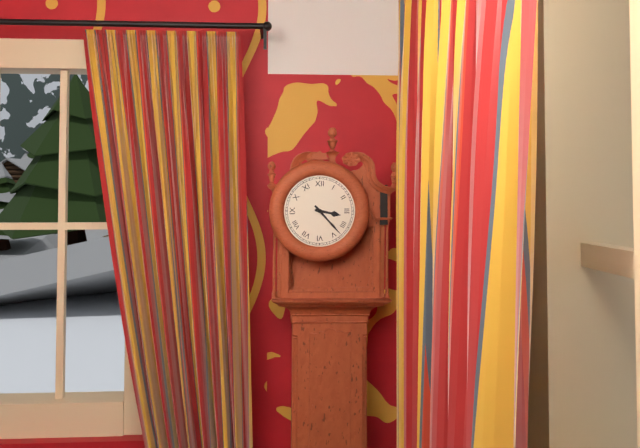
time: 3:23
